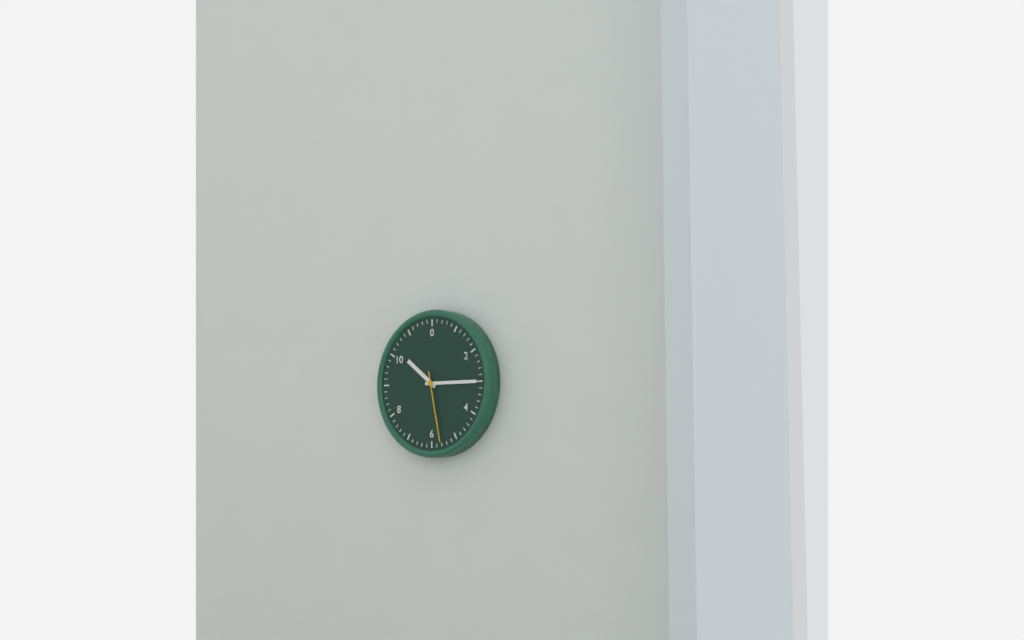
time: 10:15:28
